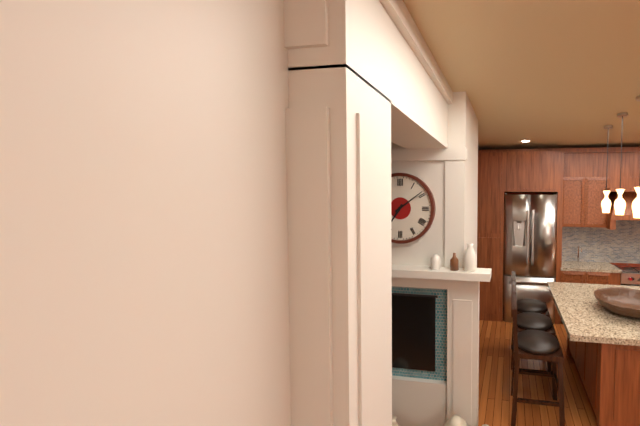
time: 7:09
